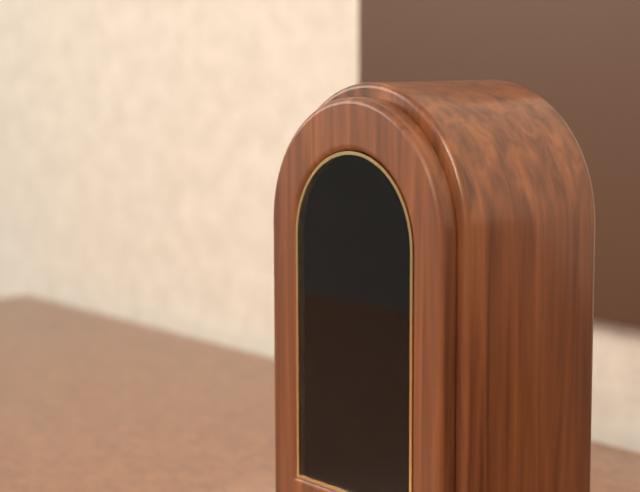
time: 7:32
